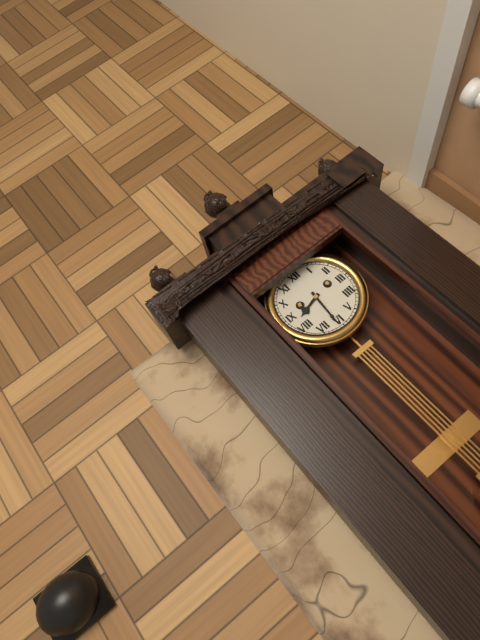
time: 8:31
